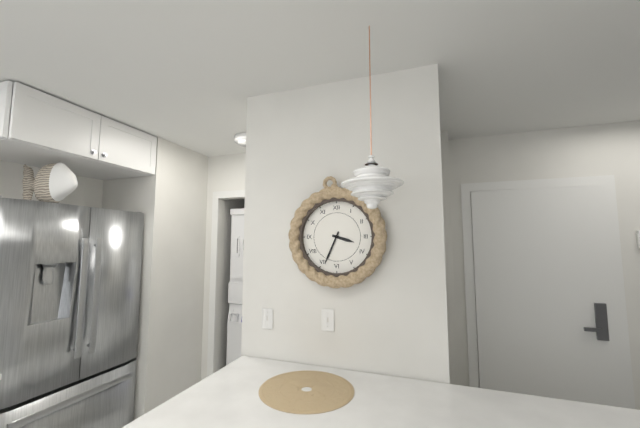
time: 3:34
